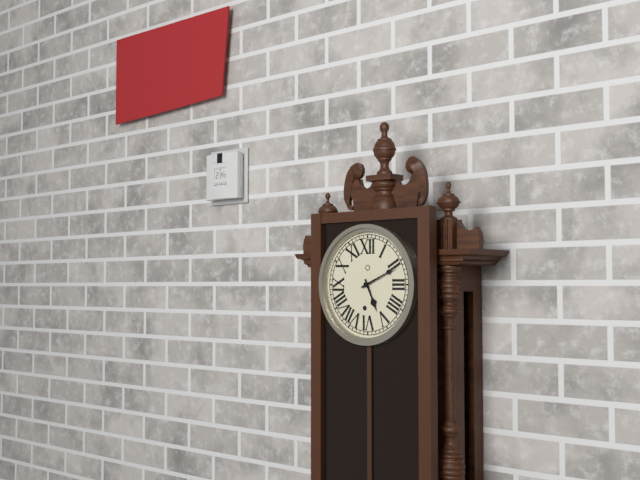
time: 5:11
